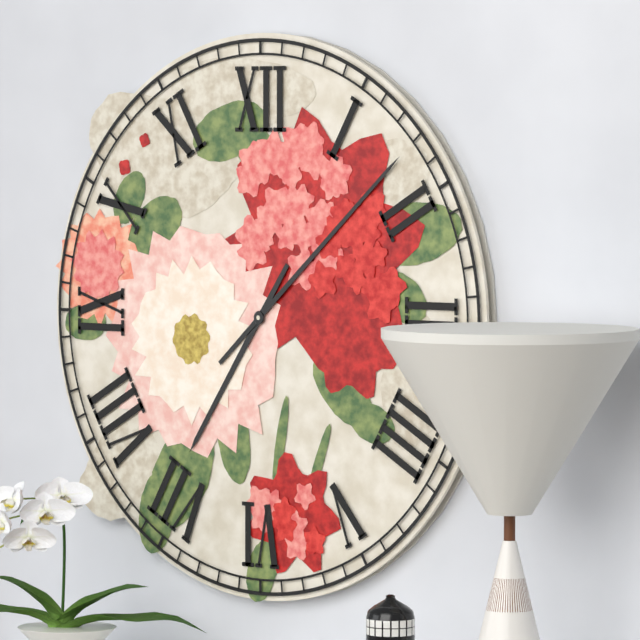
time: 7:08
